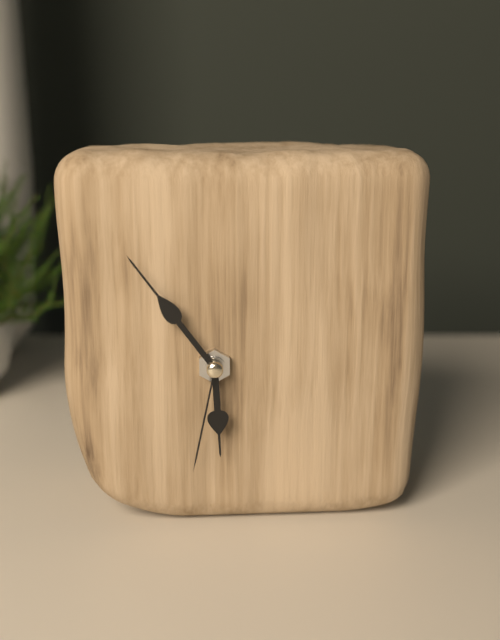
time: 5:54:32
